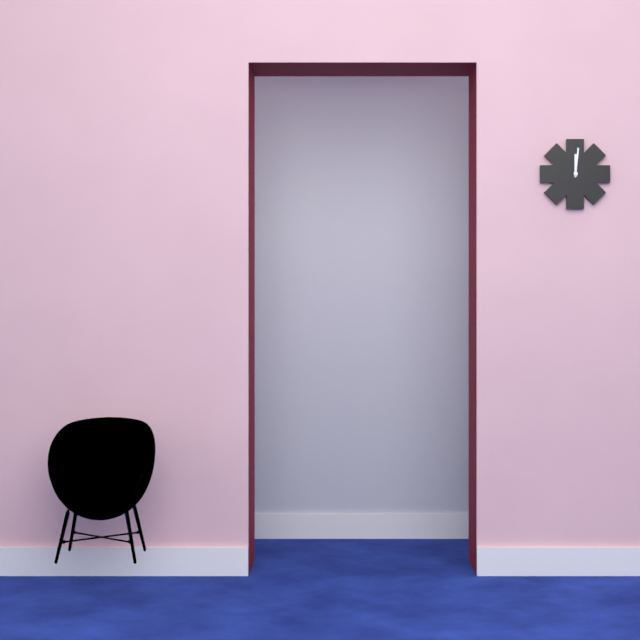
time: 12:01
